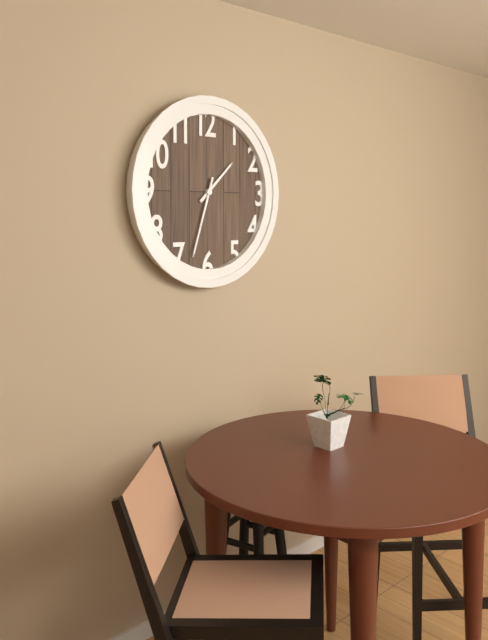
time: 1:33
